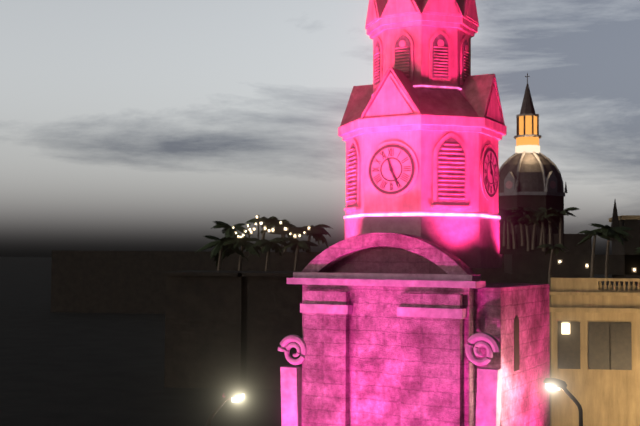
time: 11:26
